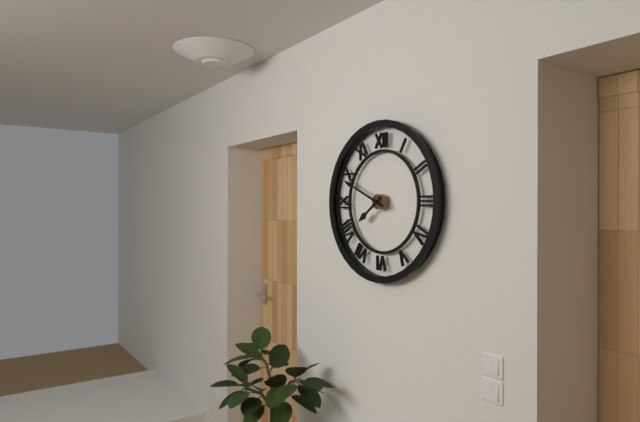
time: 7:49
